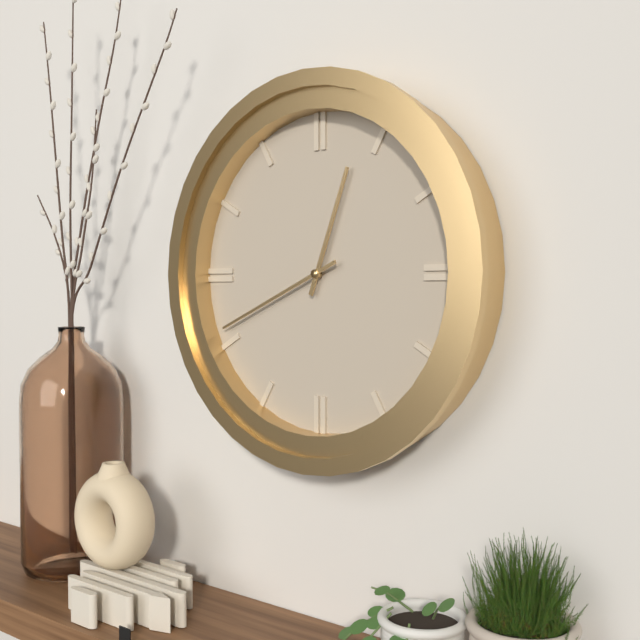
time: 12:41
